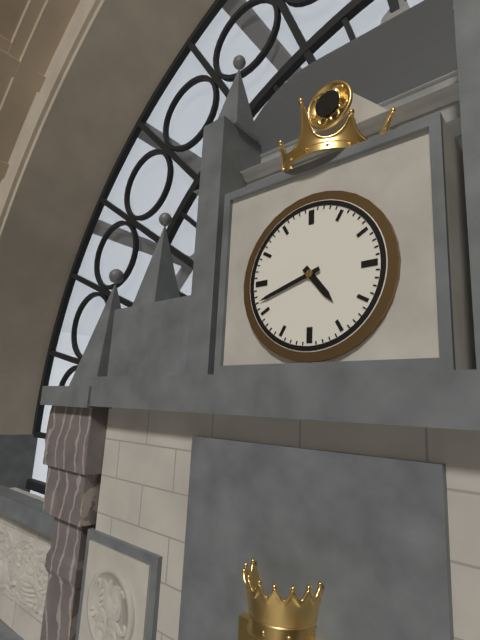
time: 4:42
